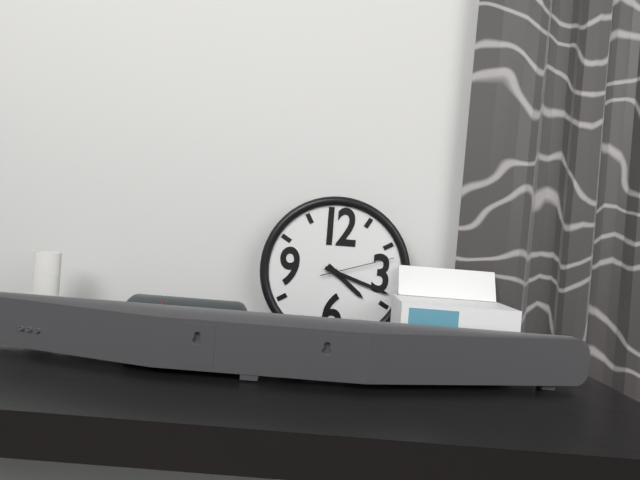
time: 4:18:12
